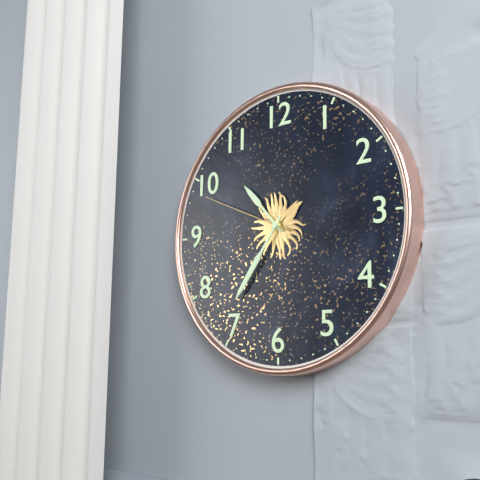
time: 10:36:49
